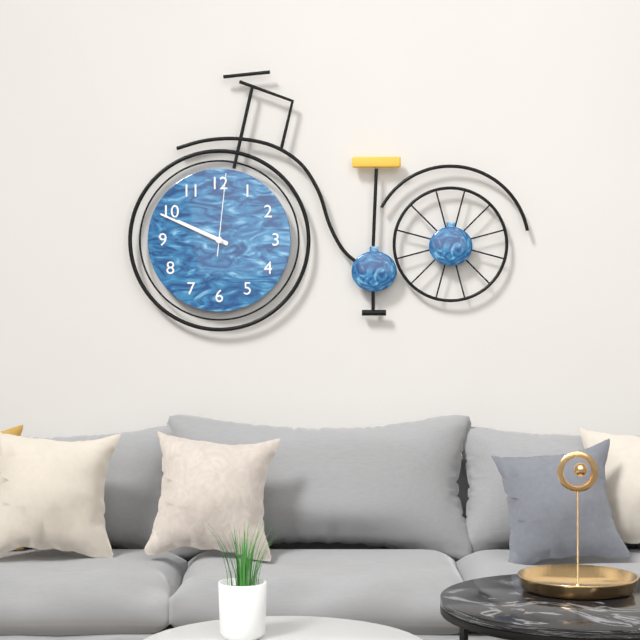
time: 9:49:01
